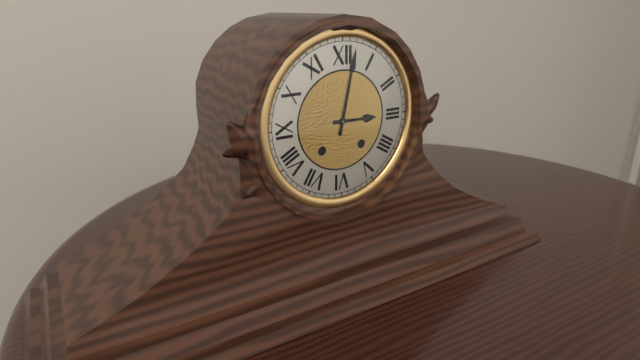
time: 3:02
